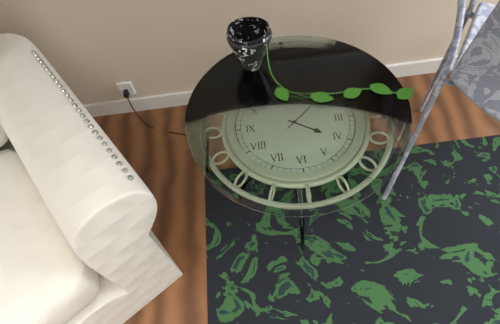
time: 4:08
